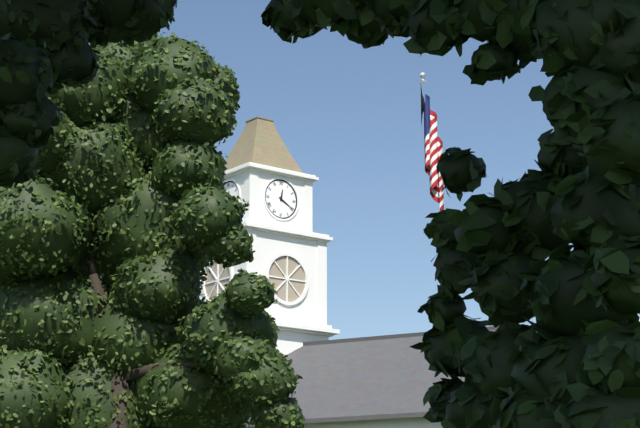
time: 12:20
